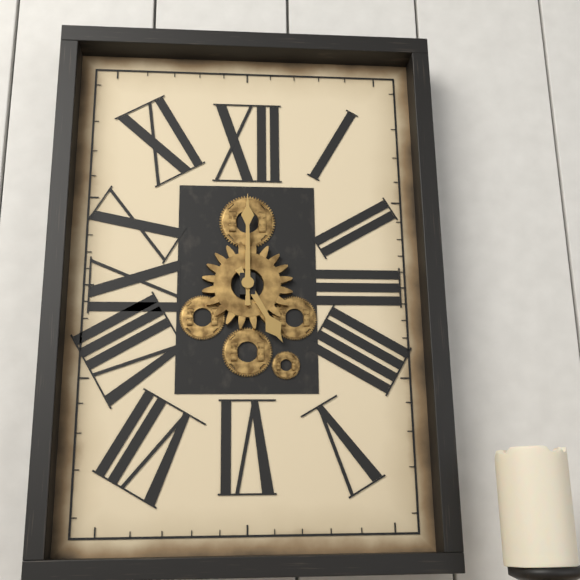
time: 5:00
